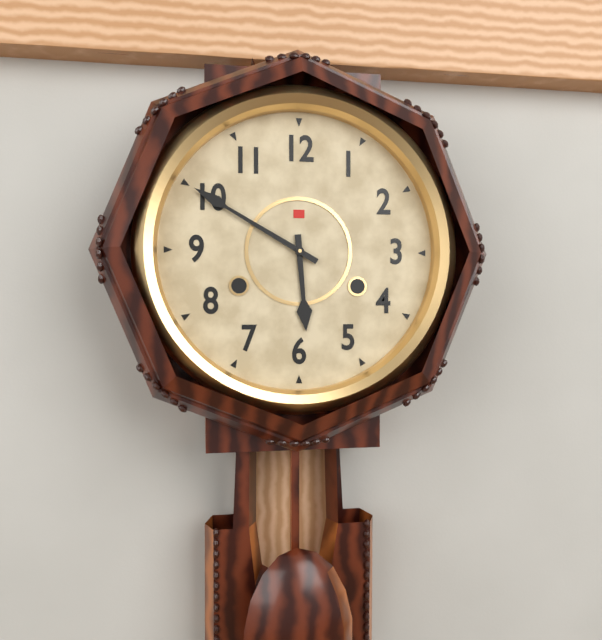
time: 5:50
